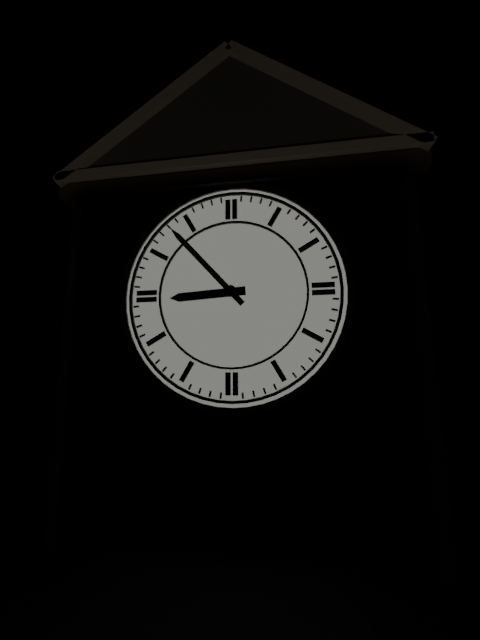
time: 8:53
